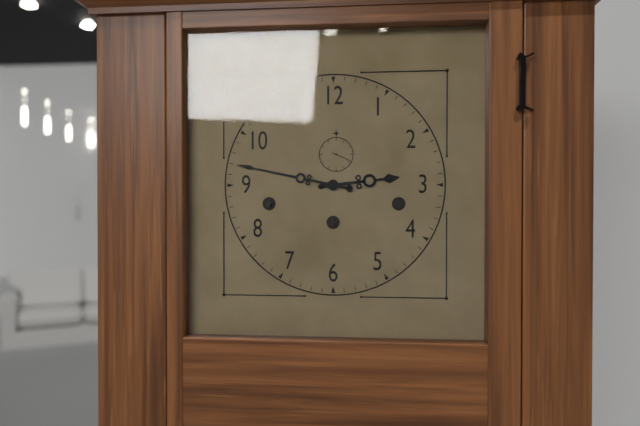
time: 2:47
